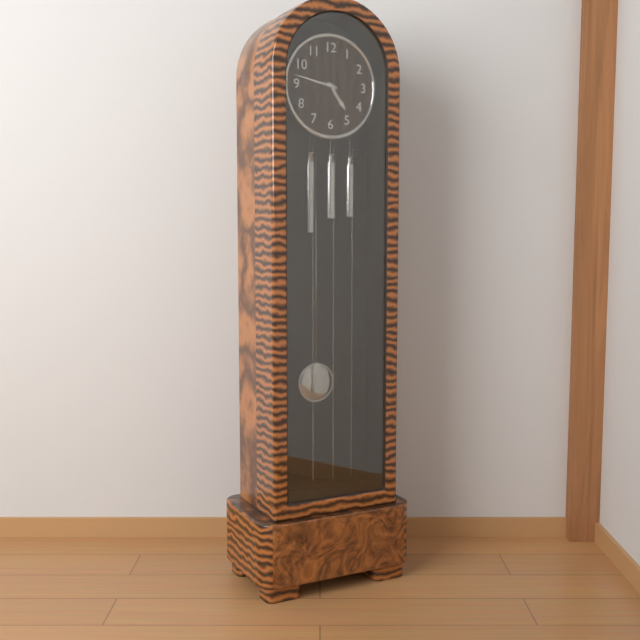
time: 4:47
